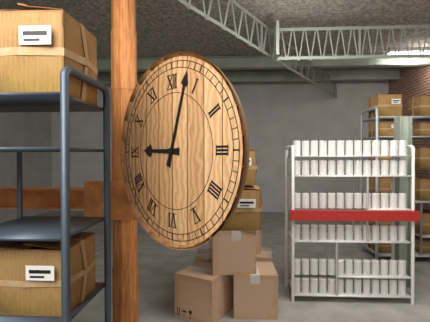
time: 9:03
